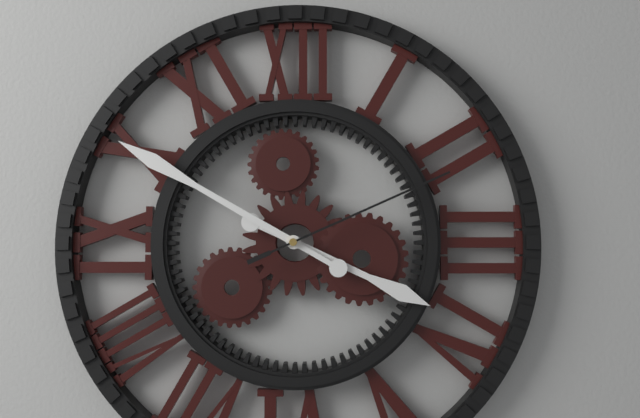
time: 3:50:11
